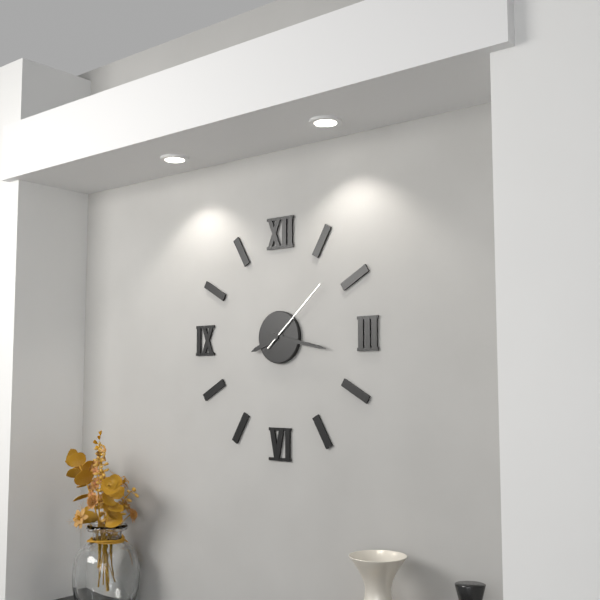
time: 8:17:08
